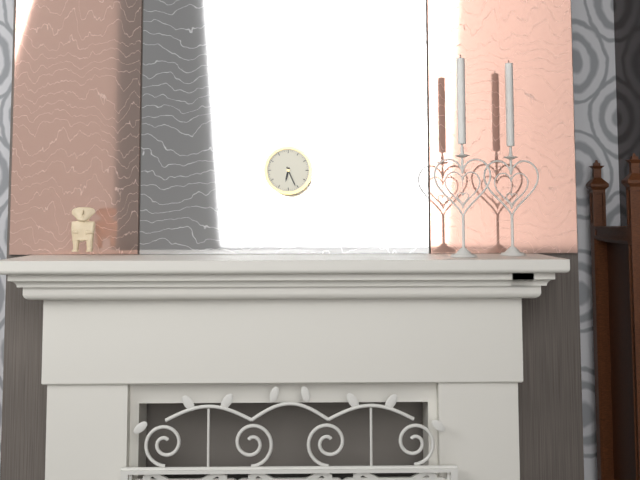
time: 6:26
